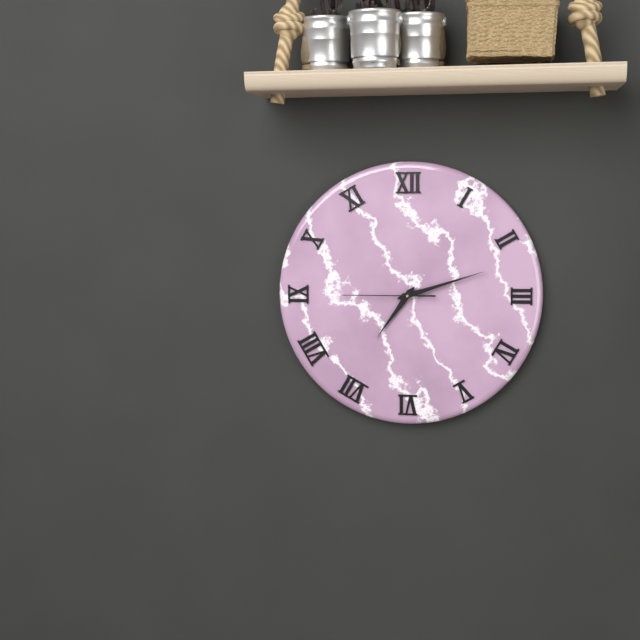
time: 7:12:45
